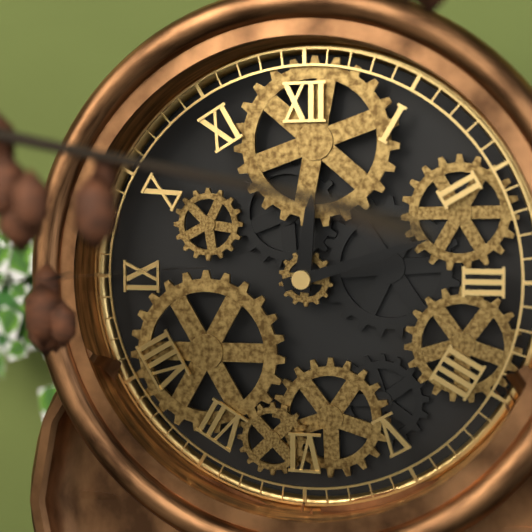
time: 12:12
